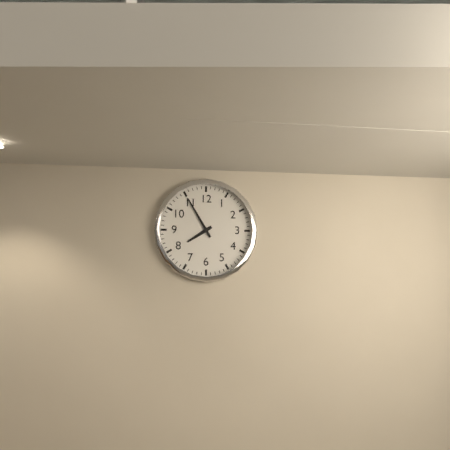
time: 7:55
